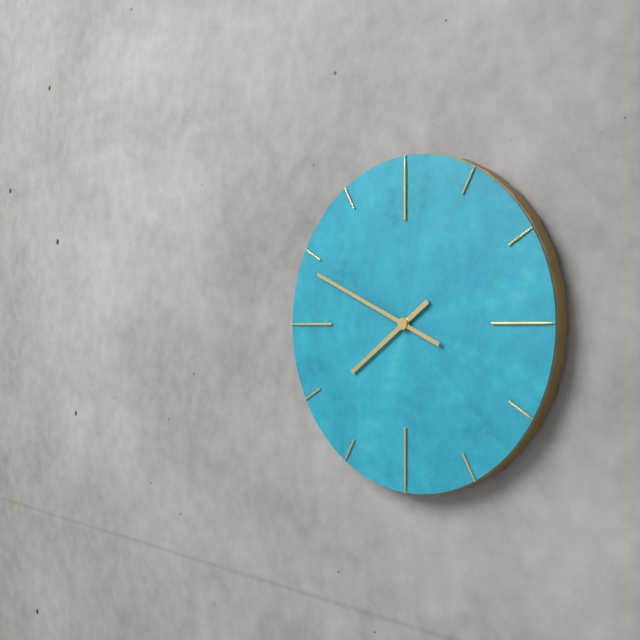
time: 7:49
